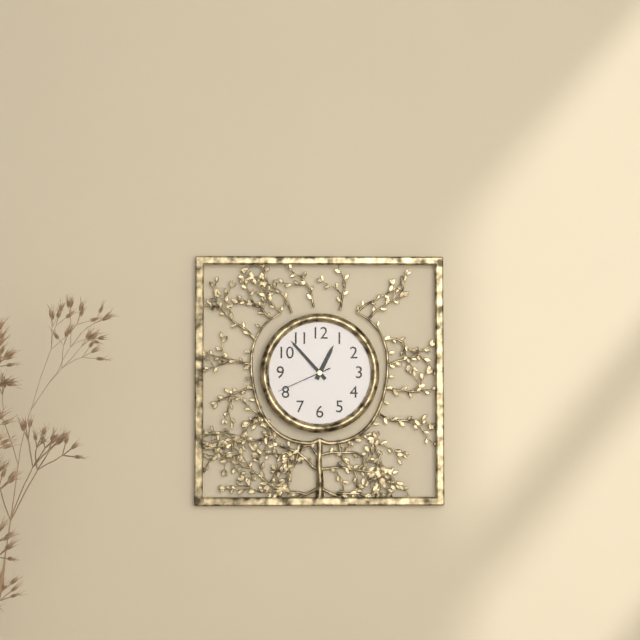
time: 12:53:41
